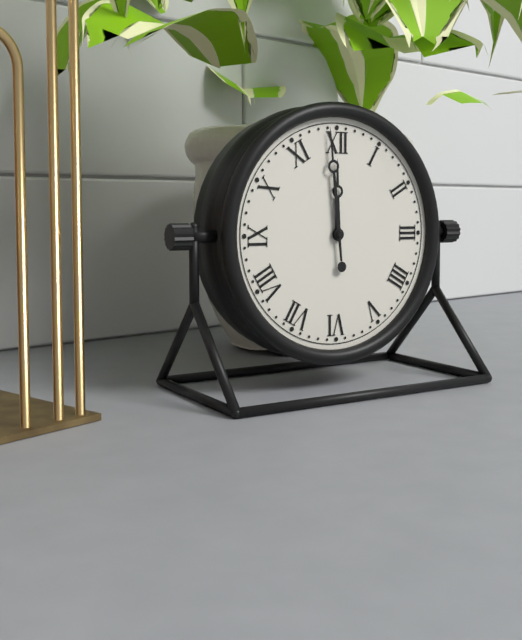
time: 11:59
